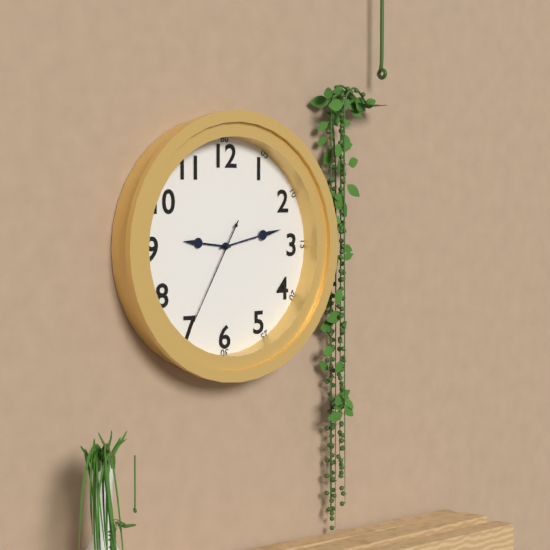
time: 9:13:35
